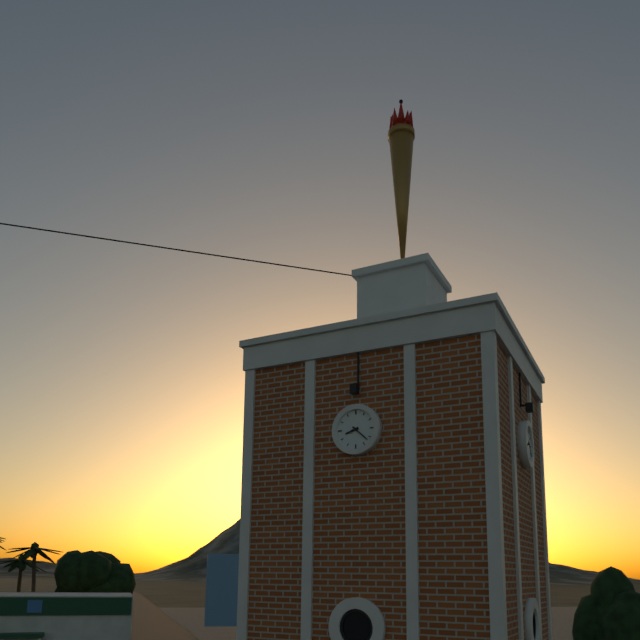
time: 8:22
